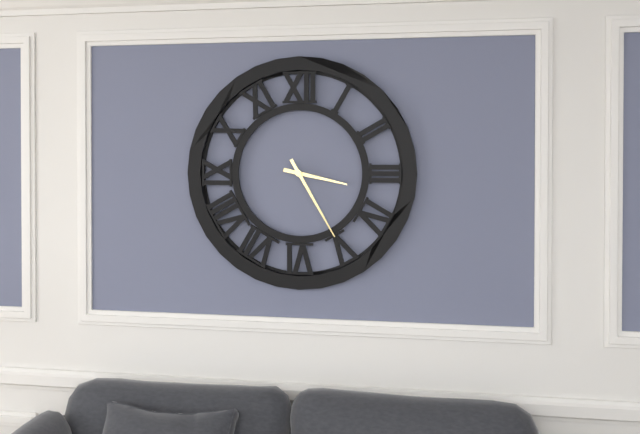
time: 3:25
